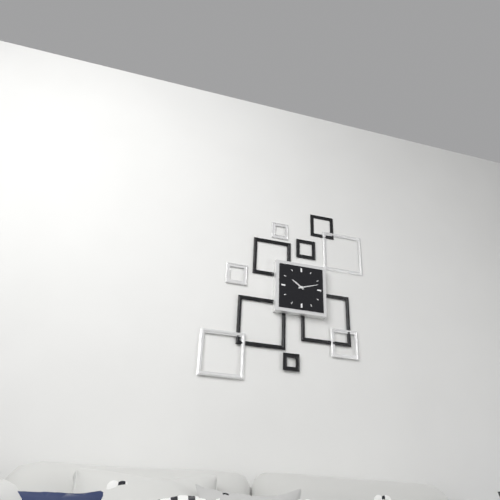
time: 10:12
